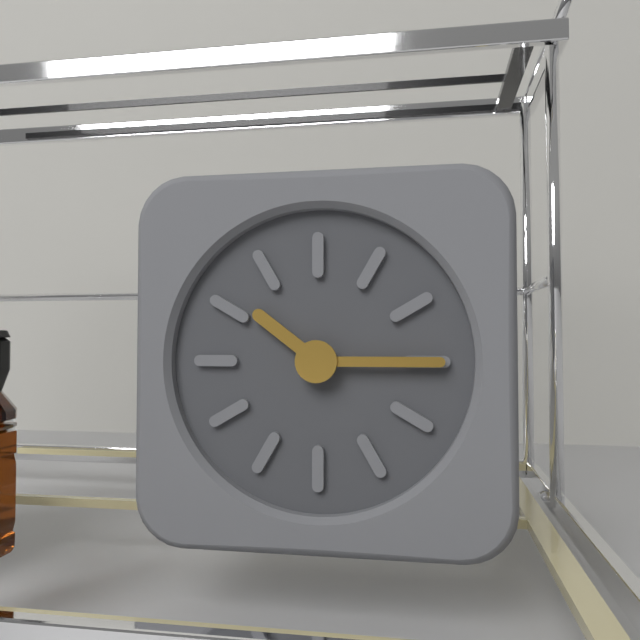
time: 10:15
